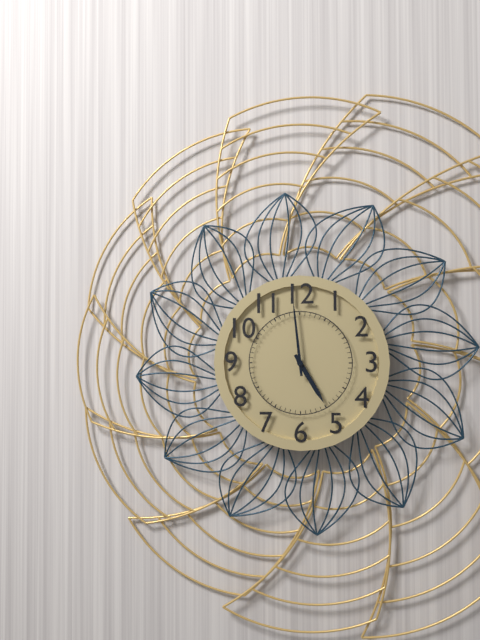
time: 4:59
